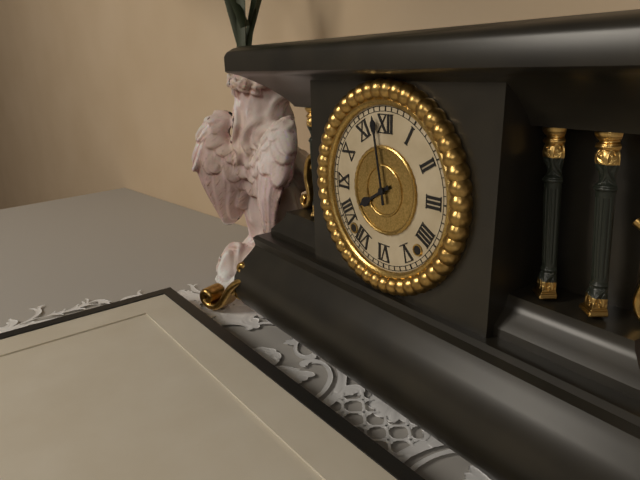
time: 7:58
